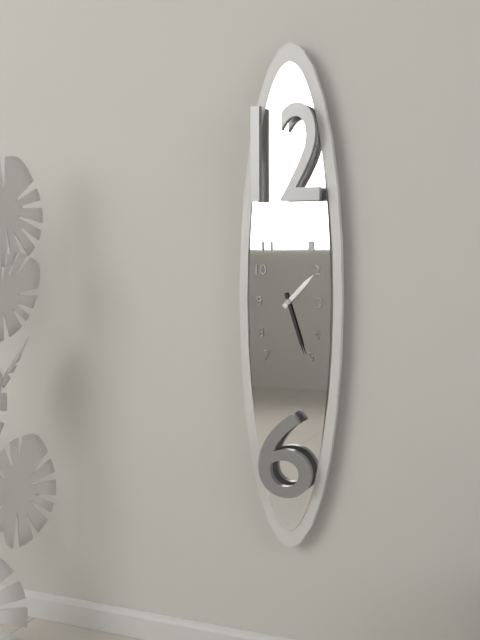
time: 1:27
